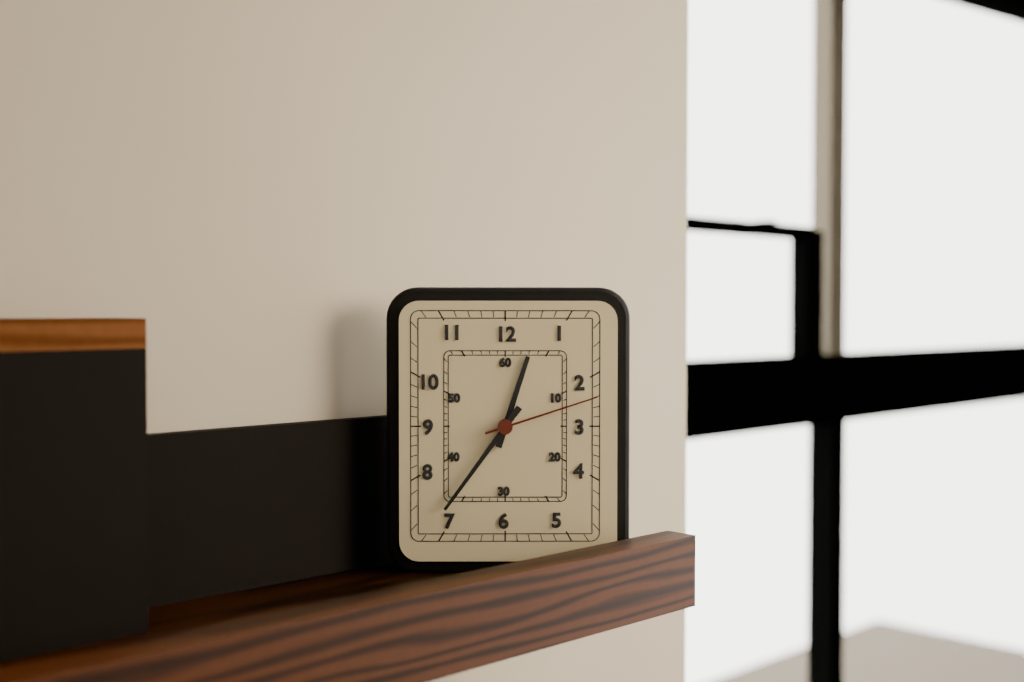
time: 12:36:12
